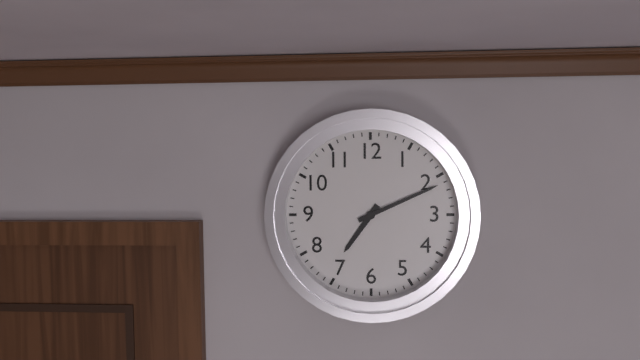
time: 7:11
